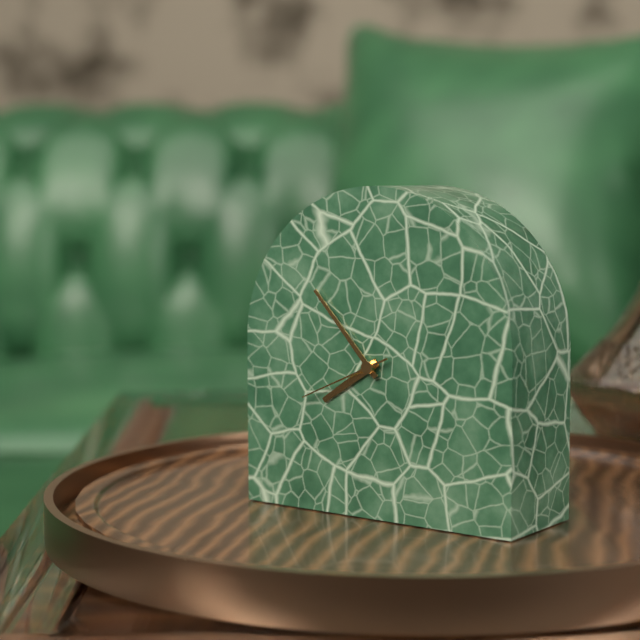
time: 7:53:41
